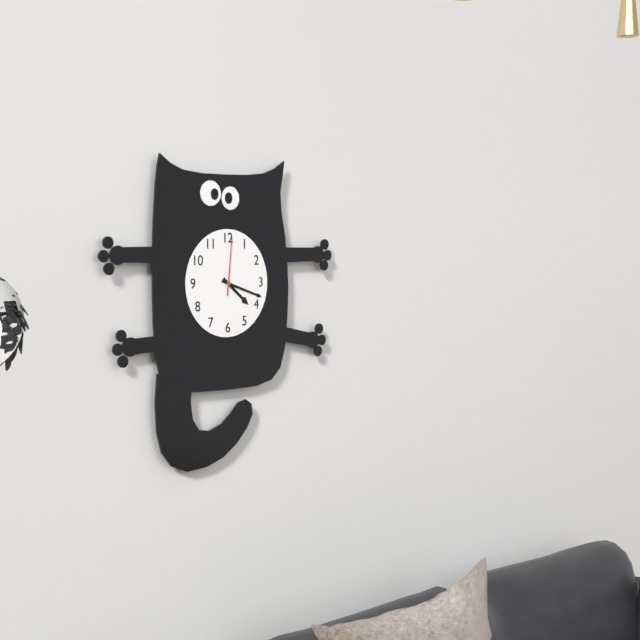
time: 4:18:01
